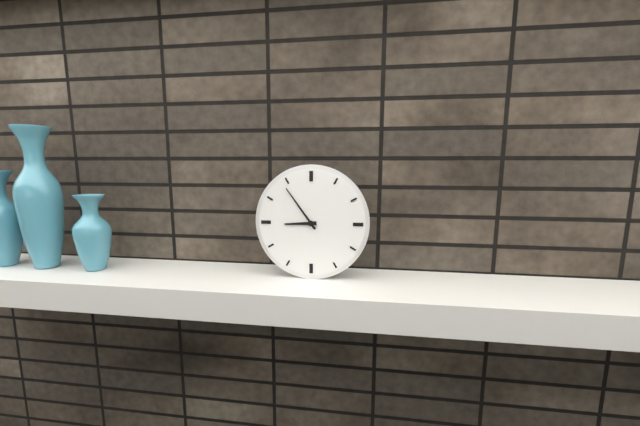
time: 8:54
